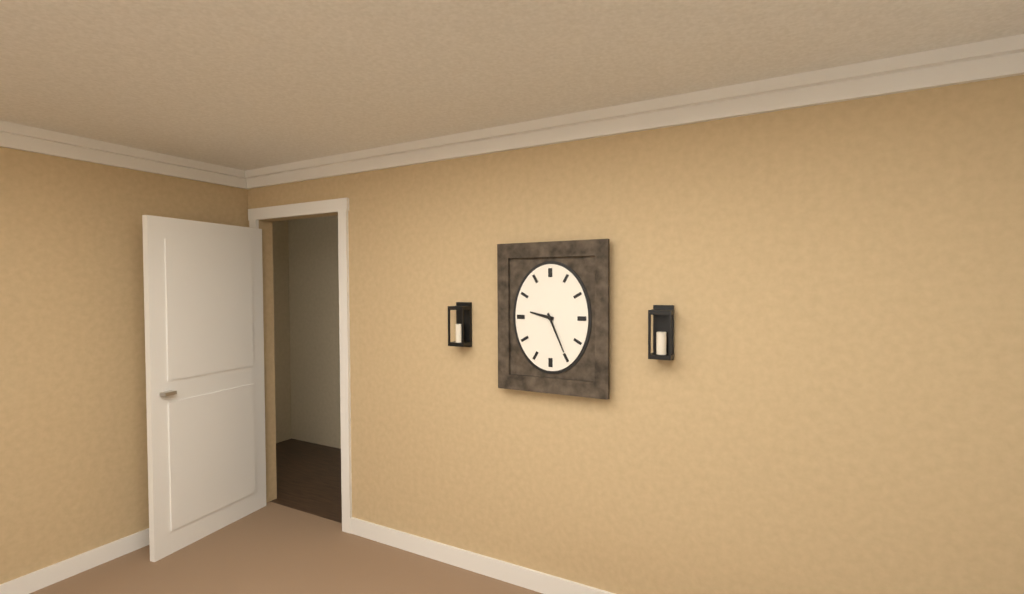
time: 9:26
